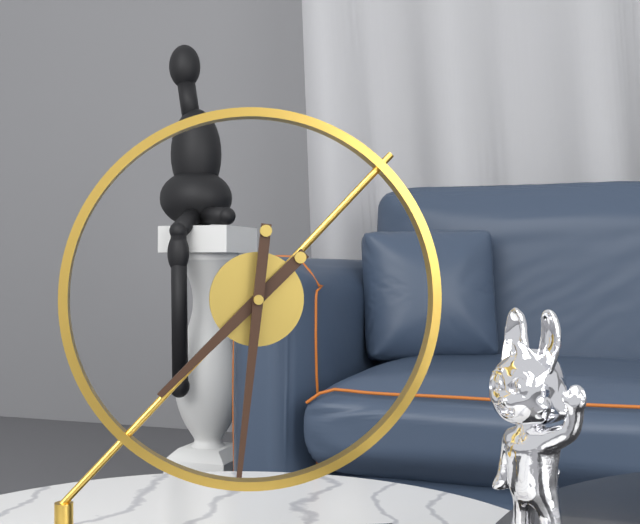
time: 7:31
